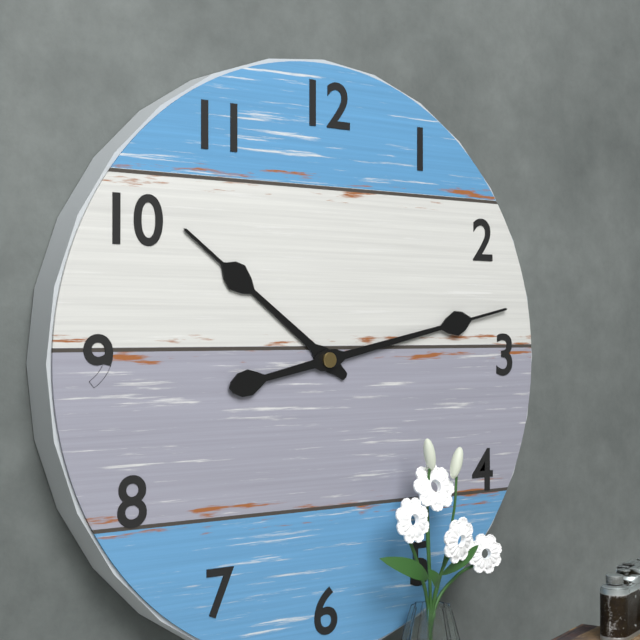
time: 10:13
